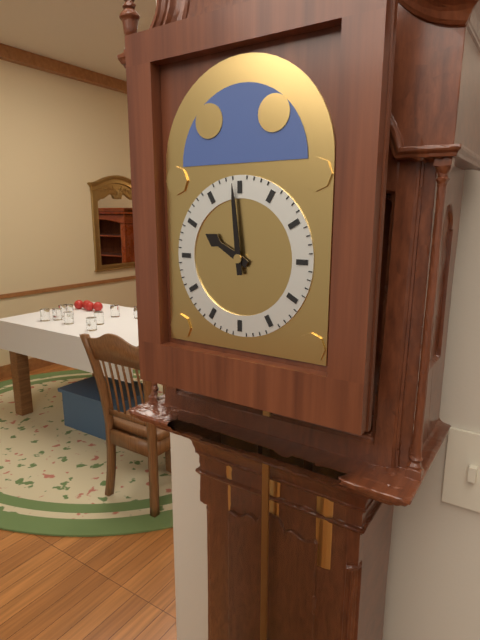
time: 9:59
